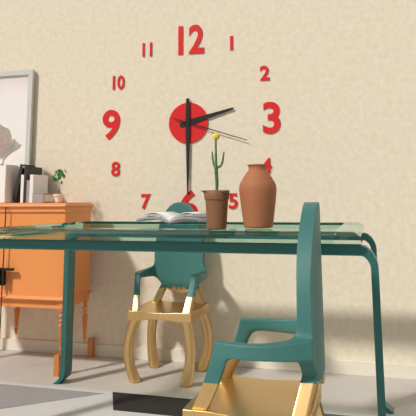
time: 2:30:18
